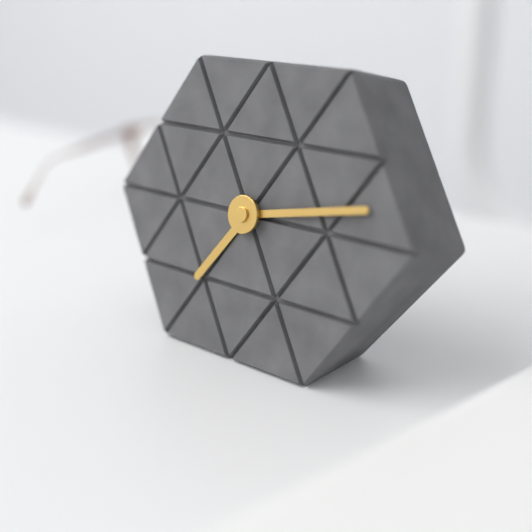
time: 7:13
